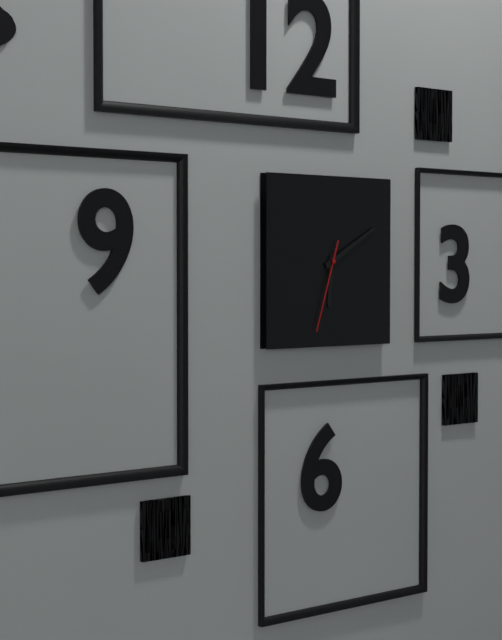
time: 6:10:33
